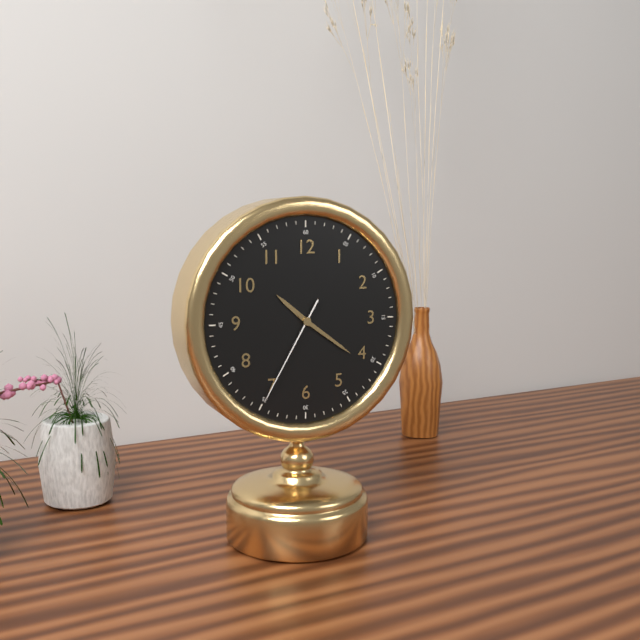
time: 10:21:35
